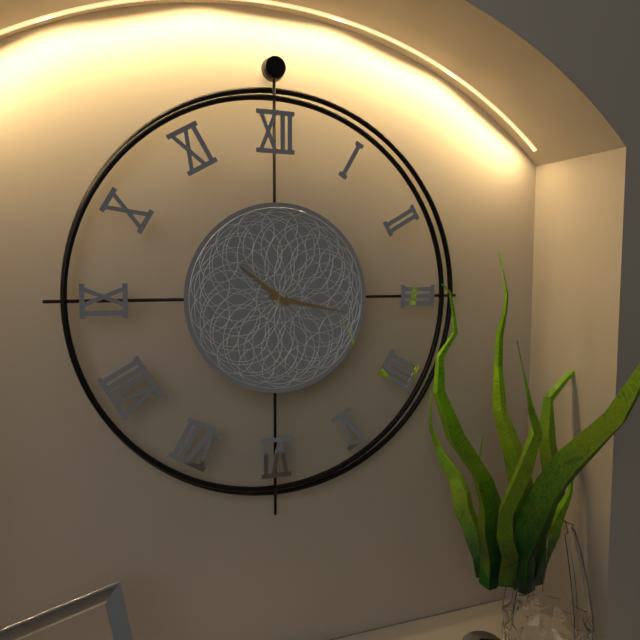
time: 10:17
